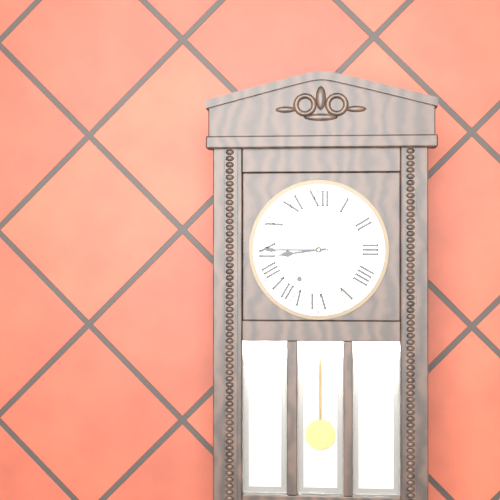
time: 8:45
